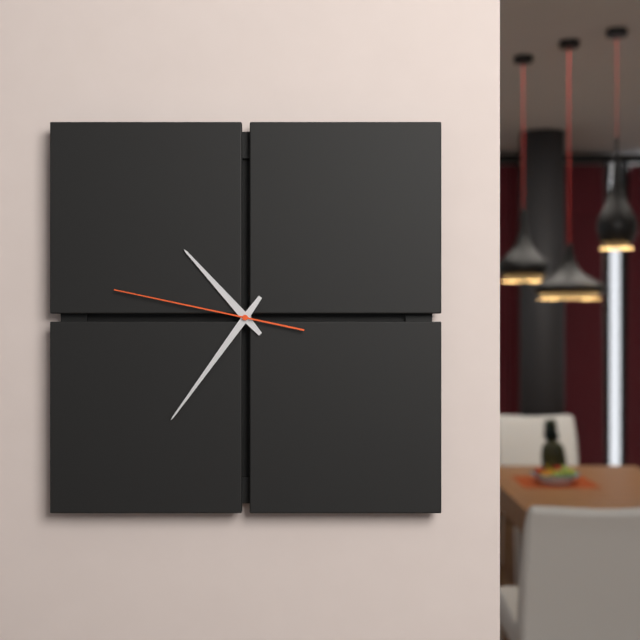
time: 10:36:47
